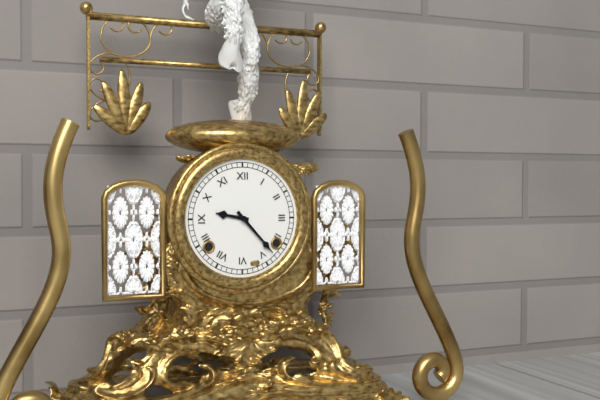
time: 9:23
